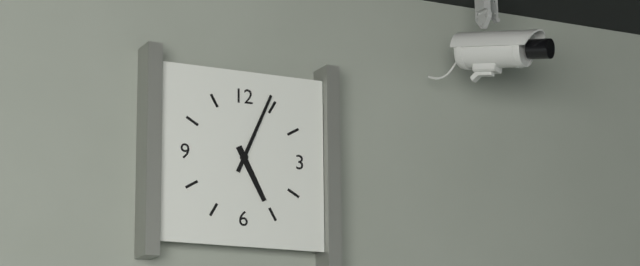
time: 5:04
